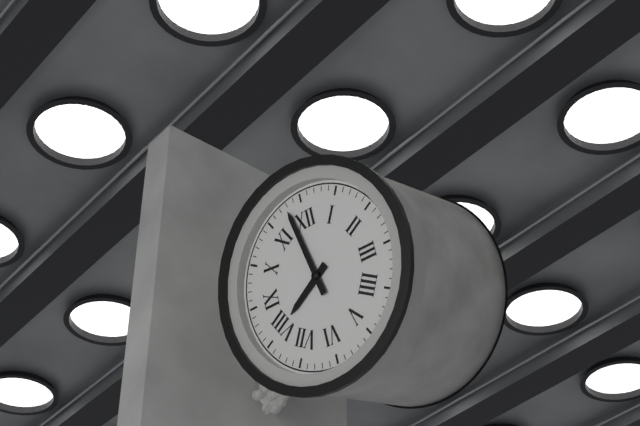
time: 7:58
